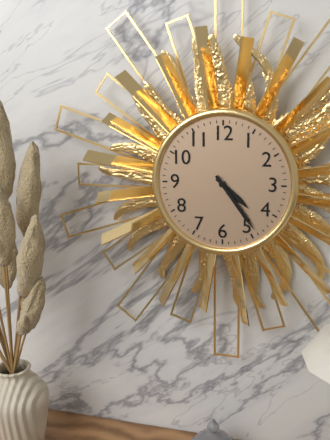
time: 4:24
